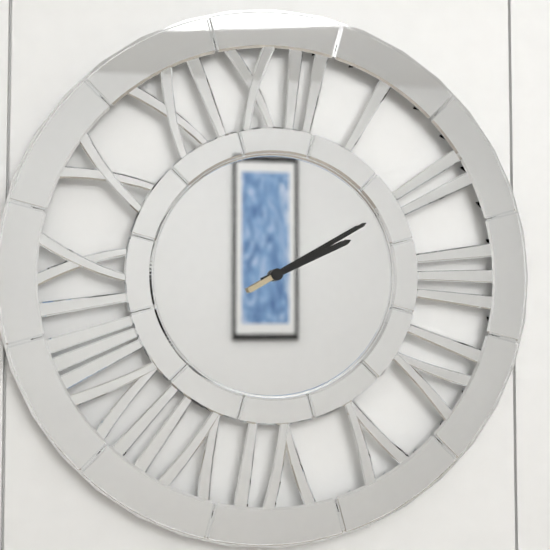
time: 2:10
